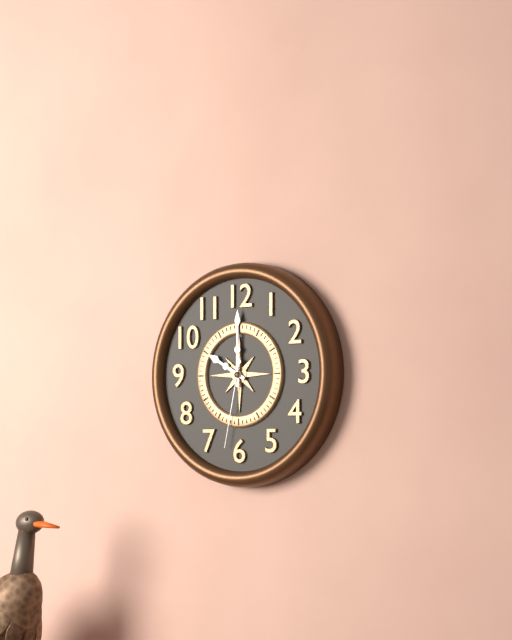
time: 10:00:32
